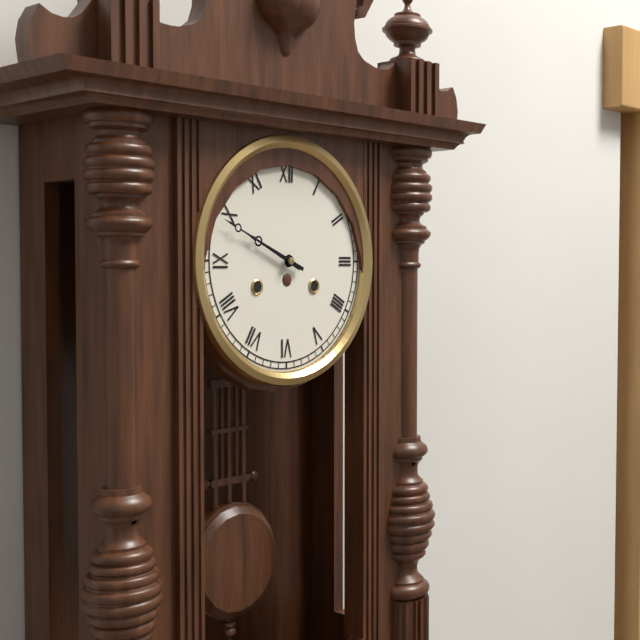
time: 9:49
